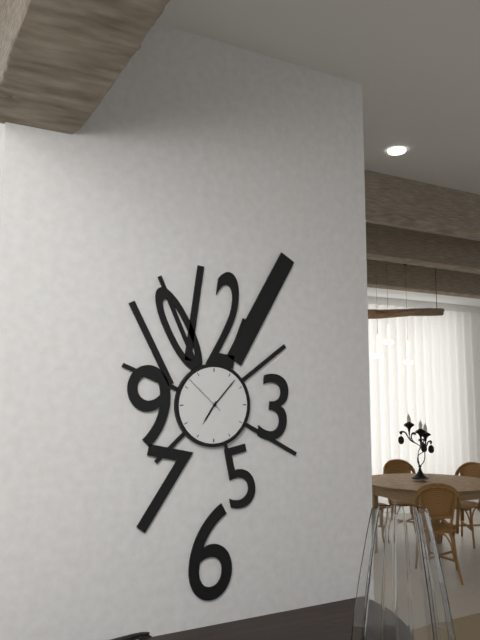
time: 7:07
